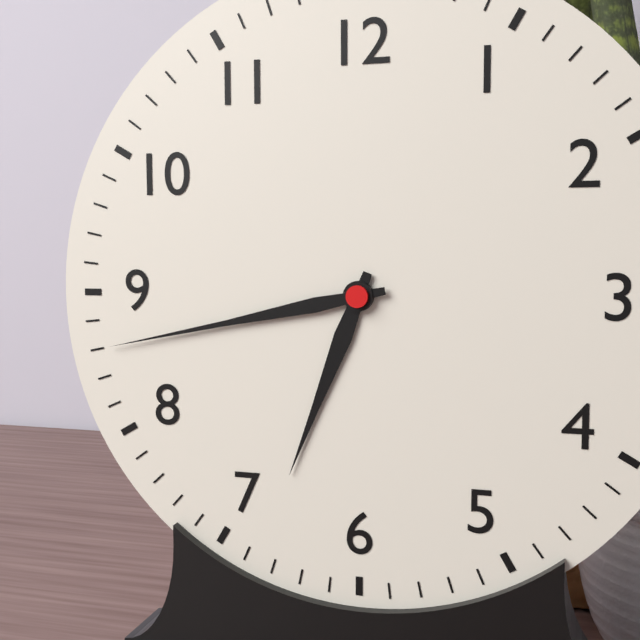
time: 6:43
